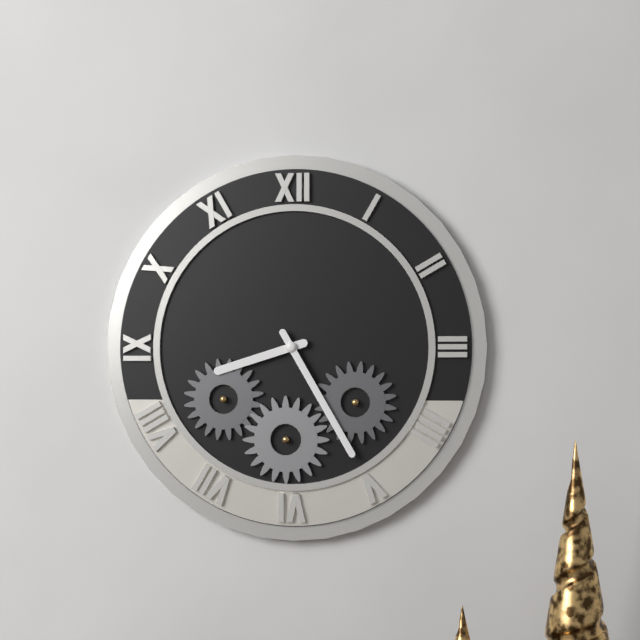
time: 8:25
